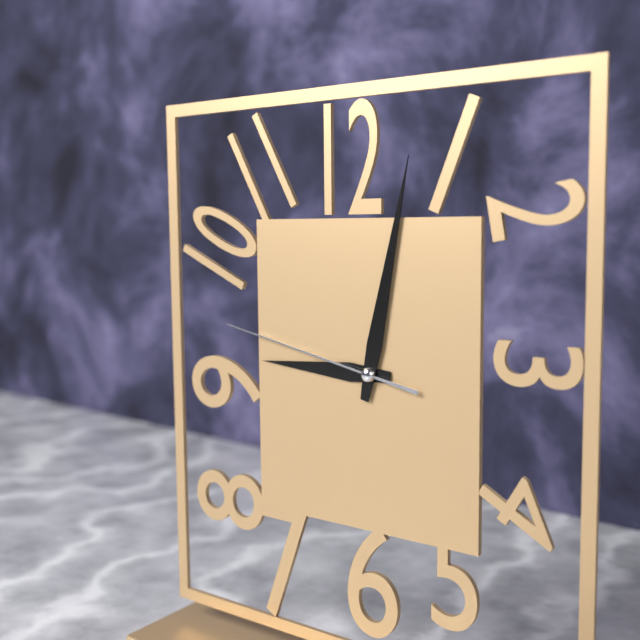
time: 9:02:47
